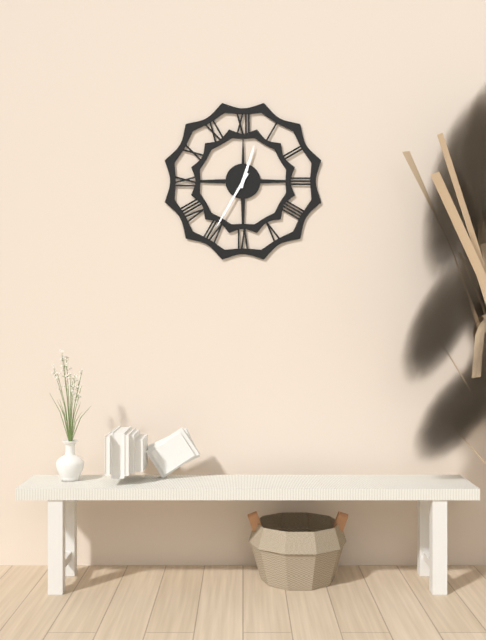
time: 12:35
